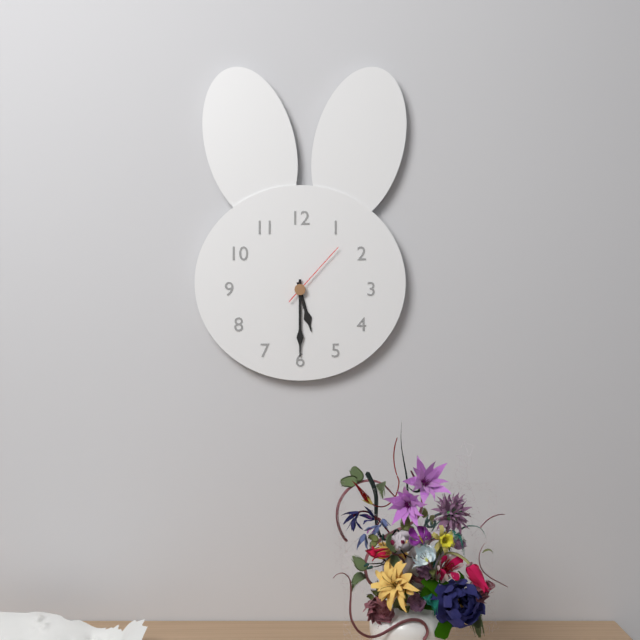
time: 5:30:07
